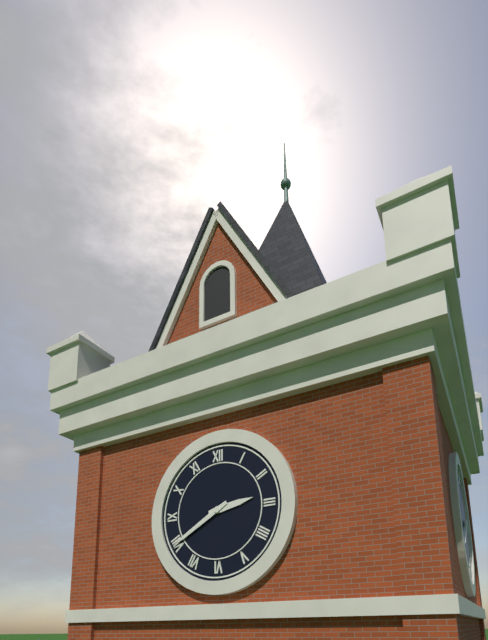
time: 2:40
